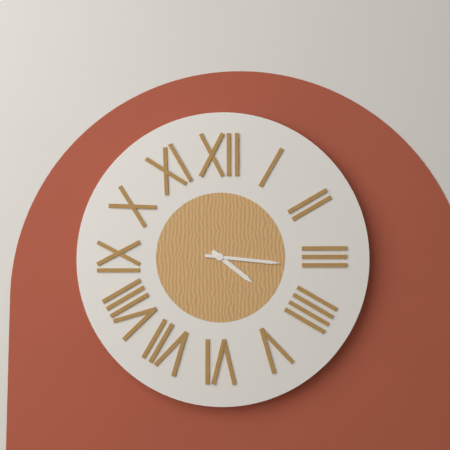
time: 4:16
